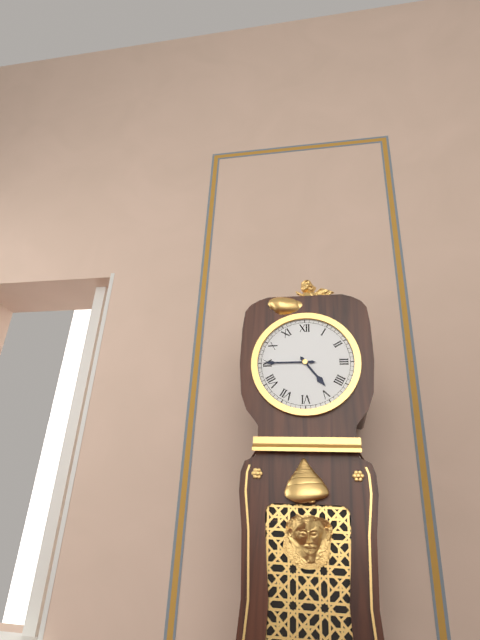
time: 4:45
